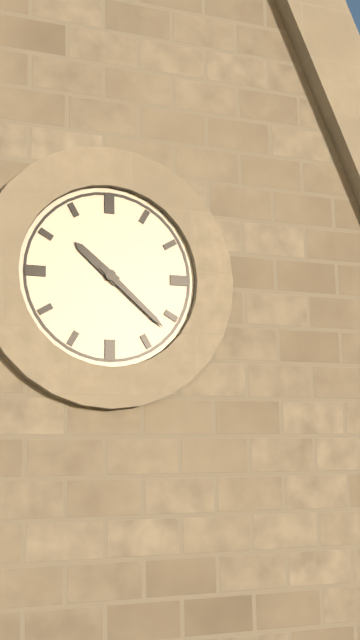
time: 10:22
